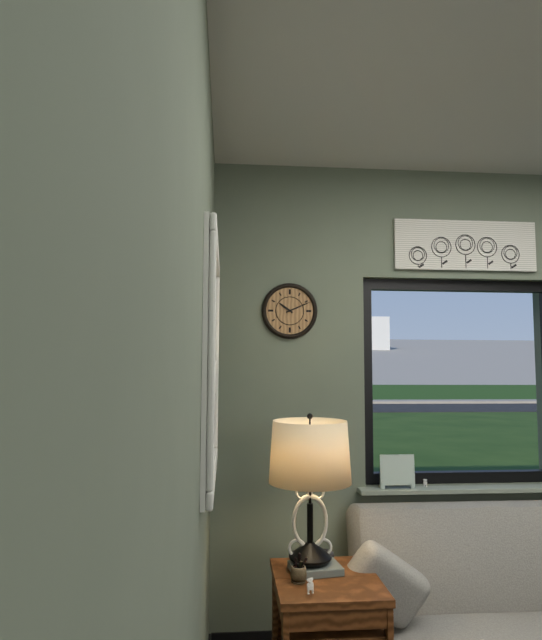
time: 10:11
